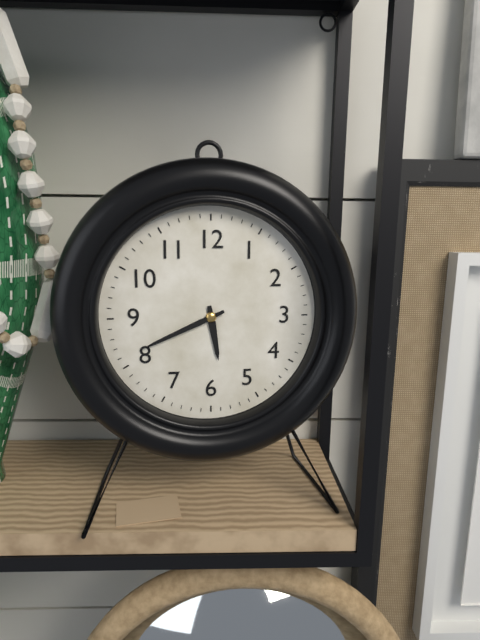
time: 5:41
